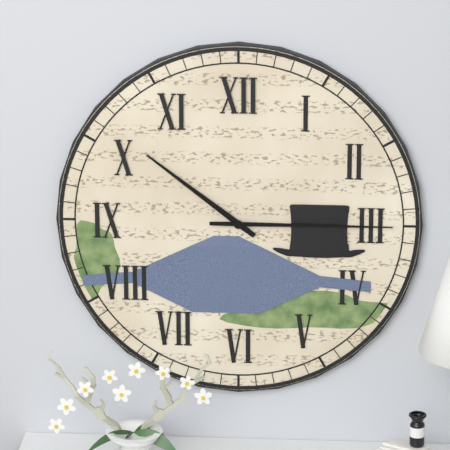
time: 10:15
